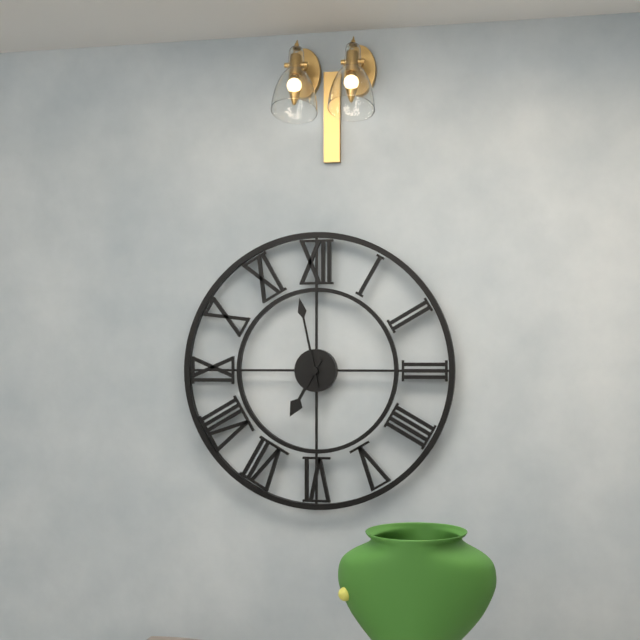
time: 6:58
